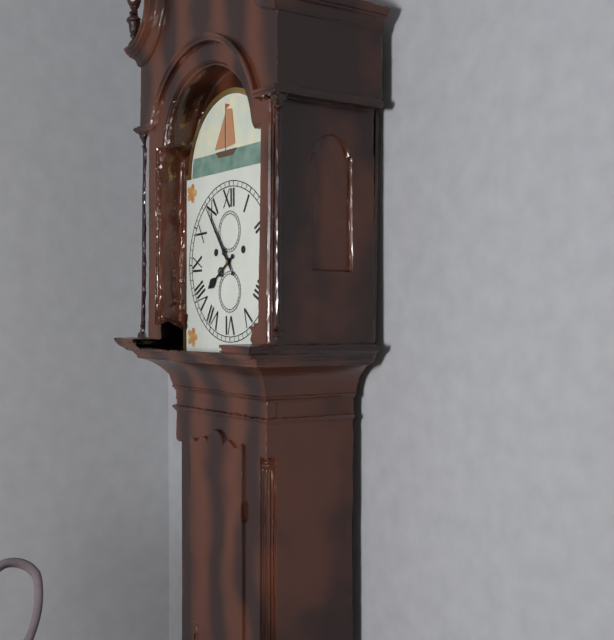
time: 7:54
